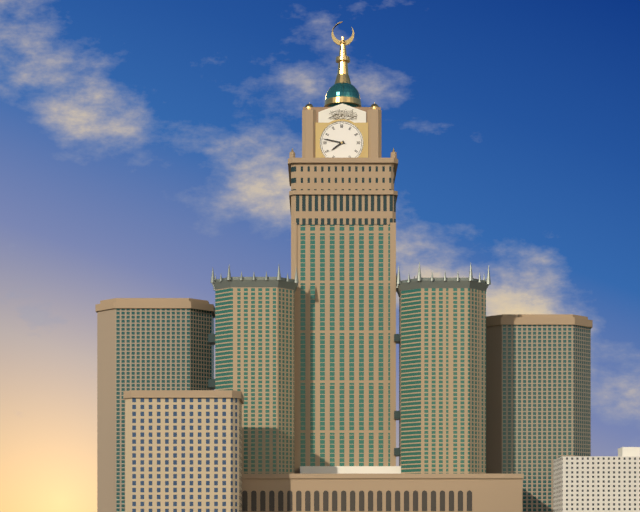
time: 7:47
